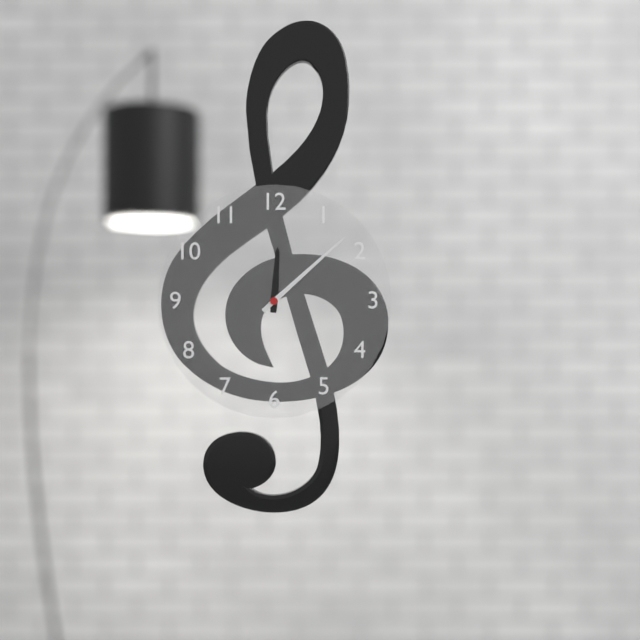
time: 12:08
